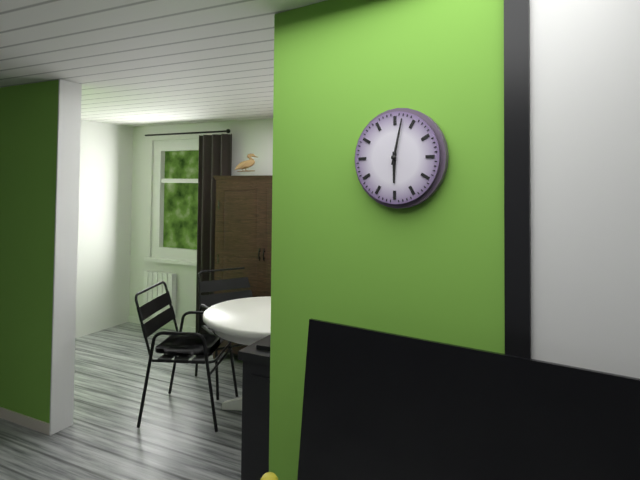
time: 6:02
